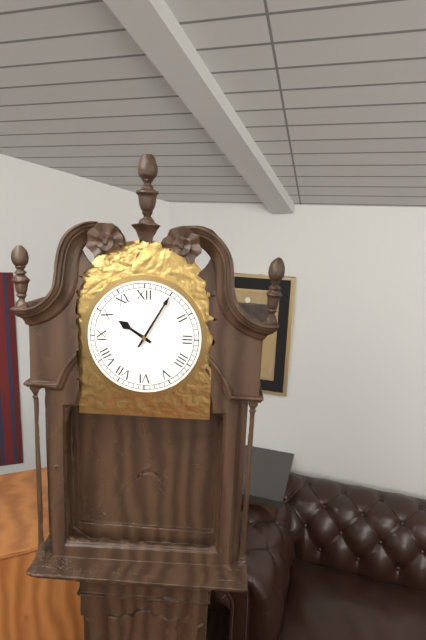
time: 10:05
